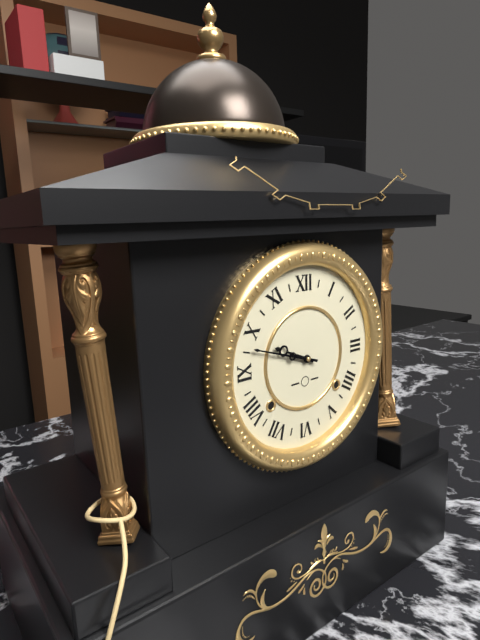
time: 9:48
